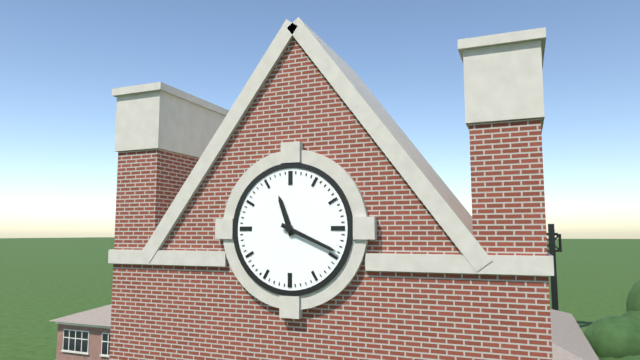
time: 11:19
